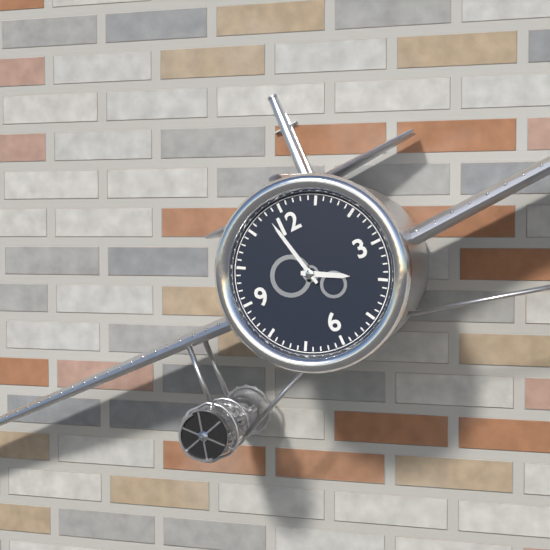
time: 3:58
